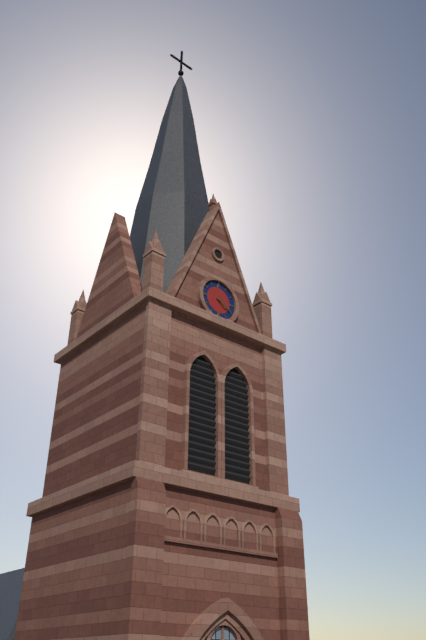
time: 4:20
